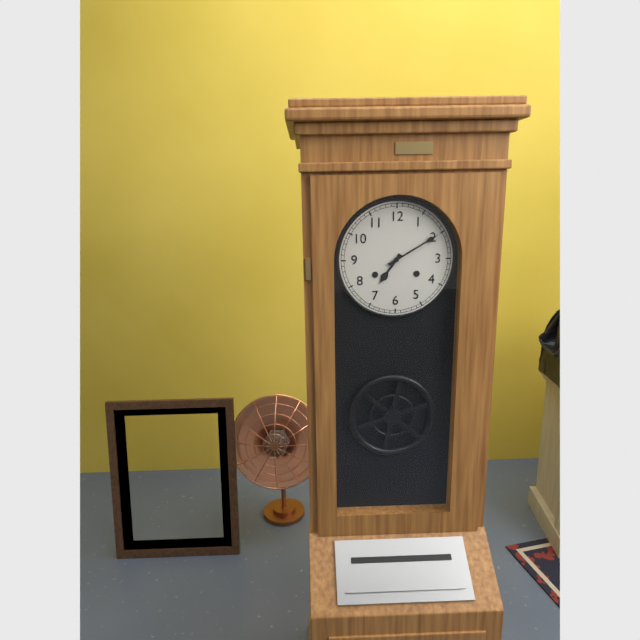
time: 7:10
